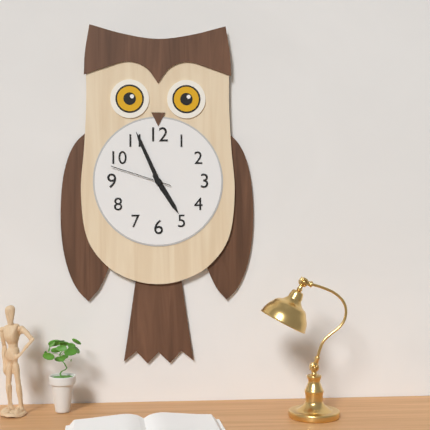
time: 4:56:48
